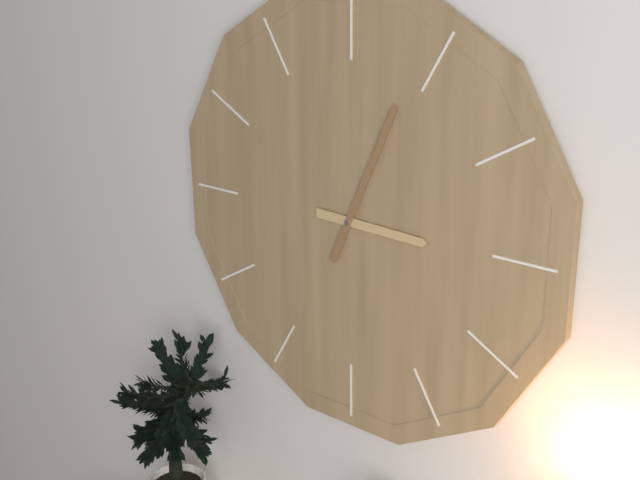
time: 3:04
